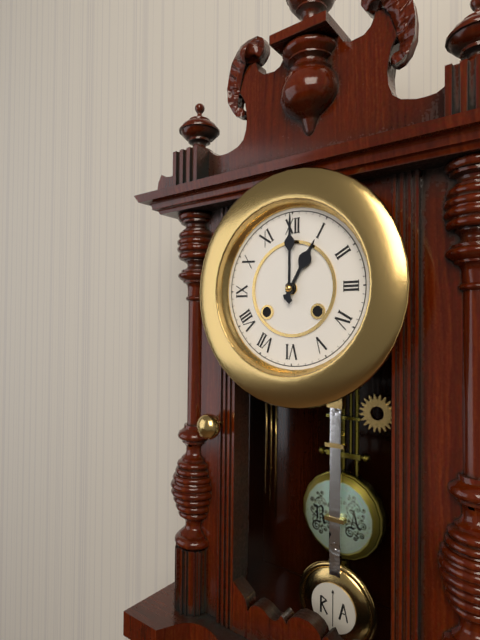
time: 1:00
